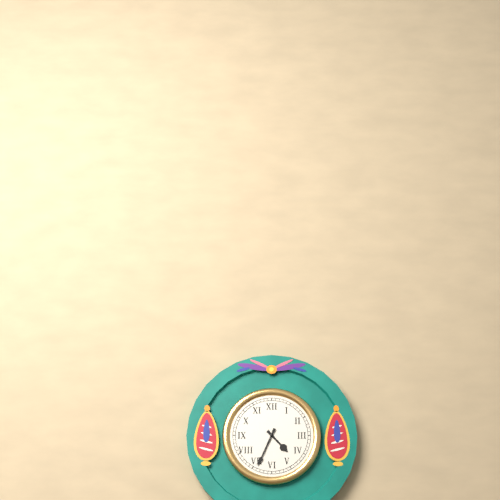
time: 4:34
